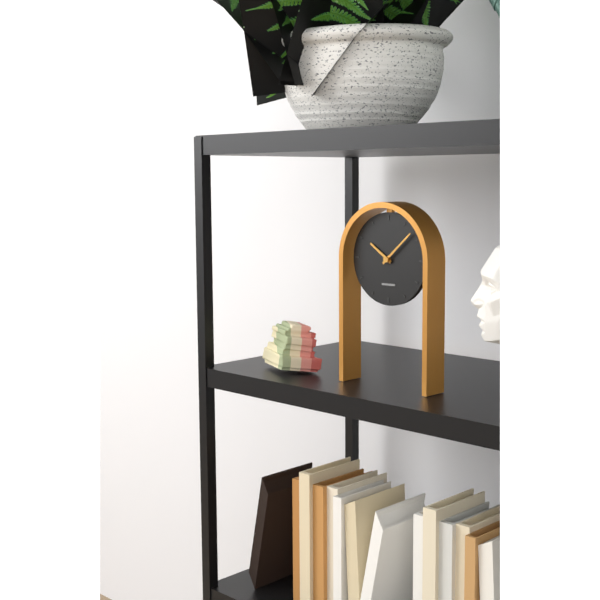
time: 10:08
